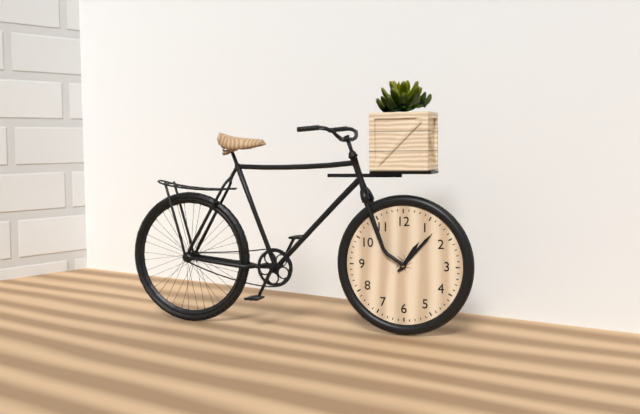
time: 1:07
